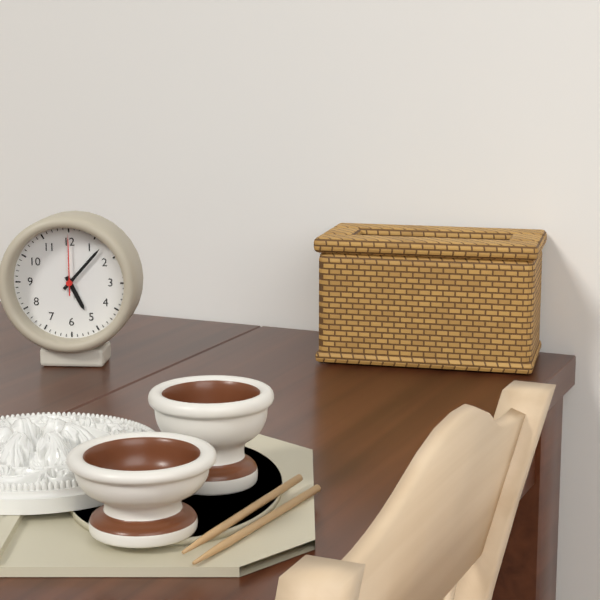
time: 5:07:00
